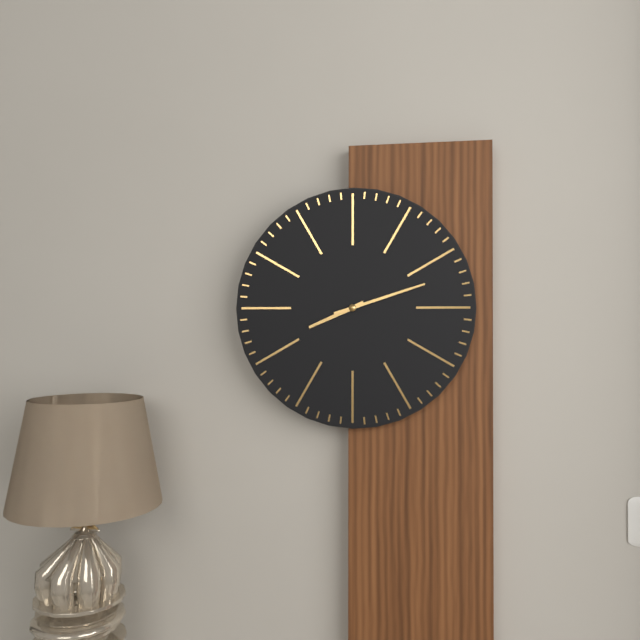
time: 8:12
